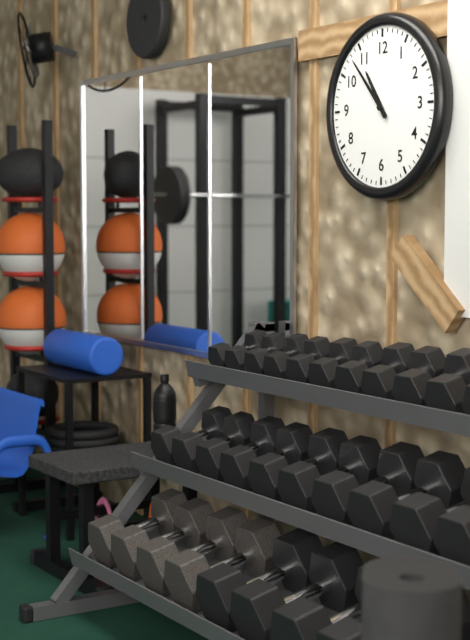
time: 10:53
